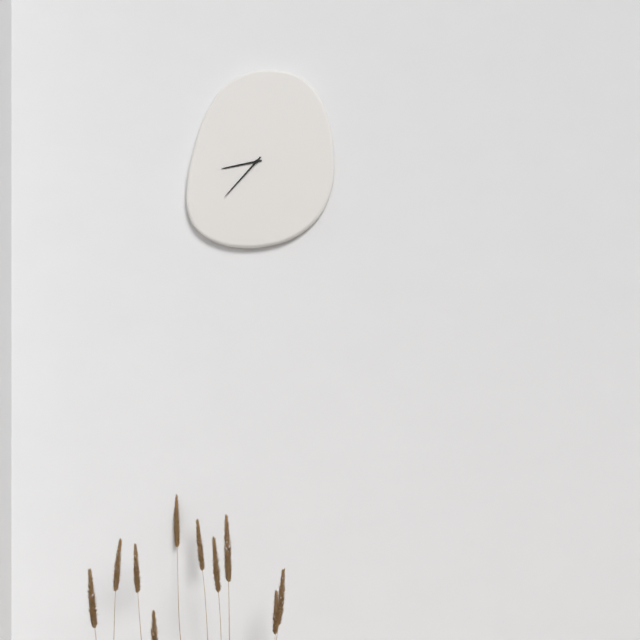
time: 8:37
